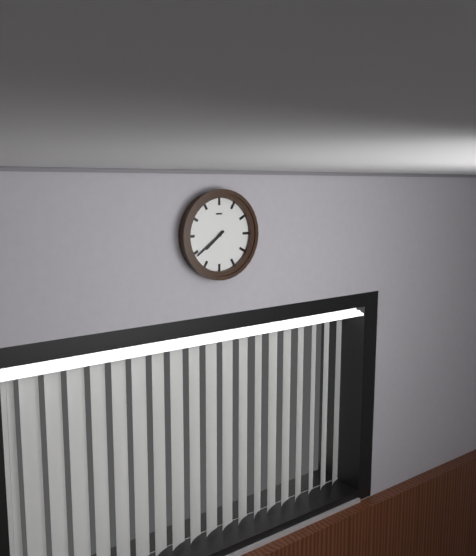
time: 7:39
